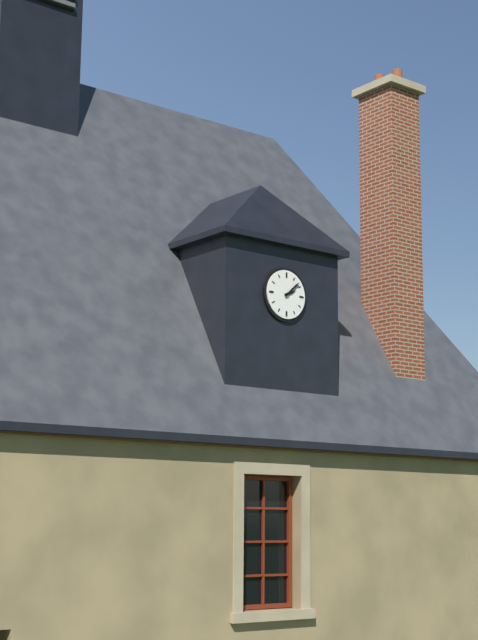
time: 2:08
